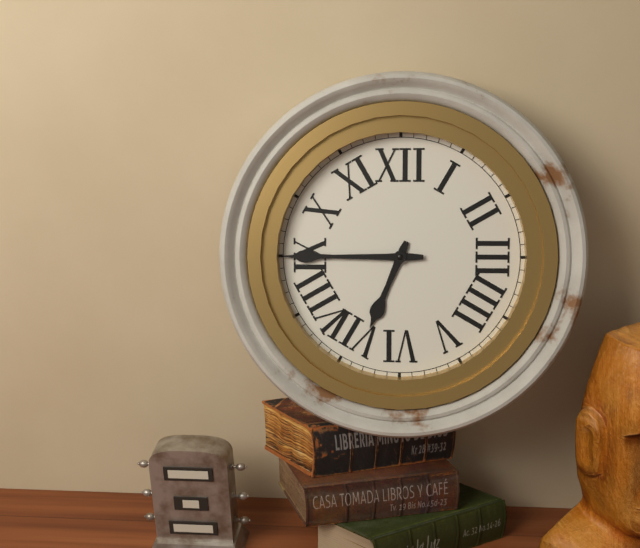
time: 6:45
